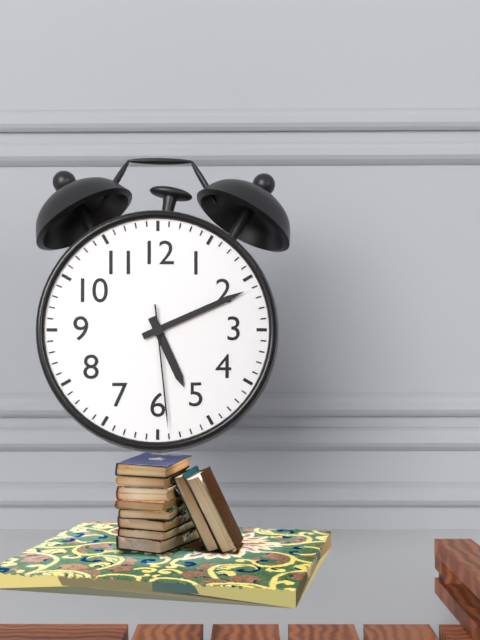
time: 5:11:29
